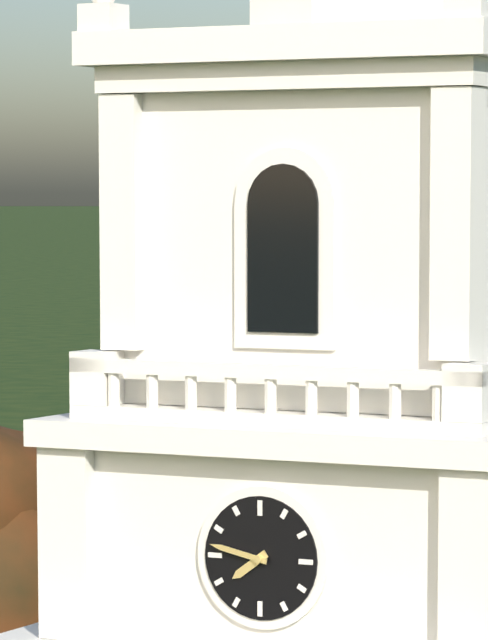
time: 7:47
